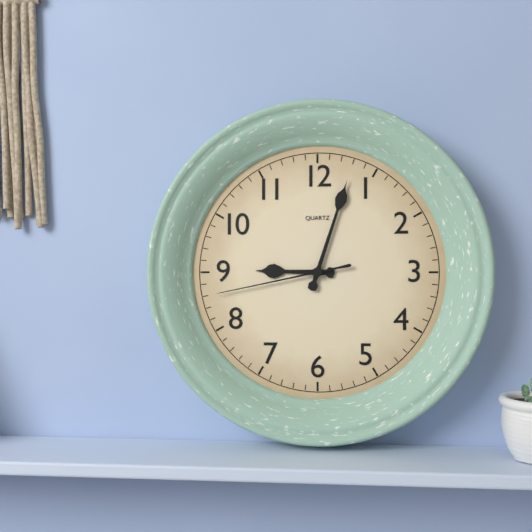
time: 9:03:43
